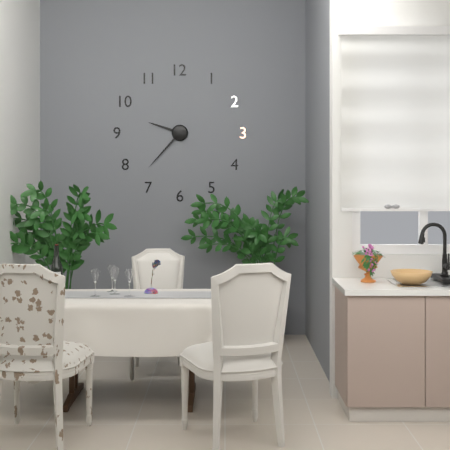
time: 9:37
